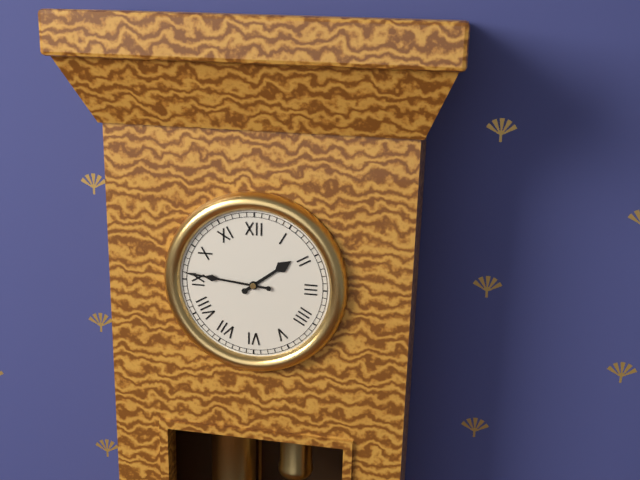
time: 1:46
